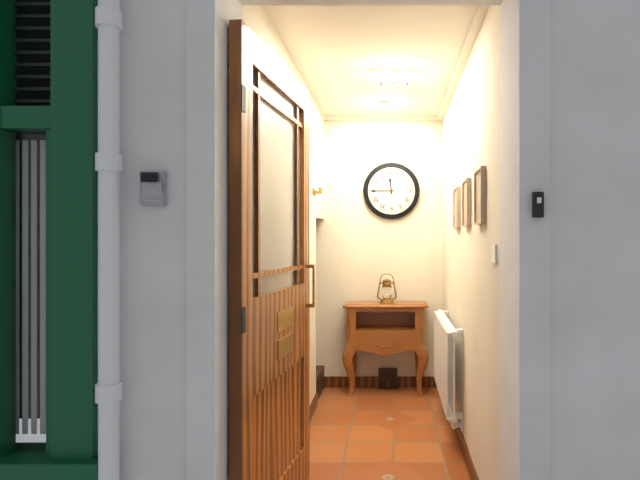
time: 11:45
